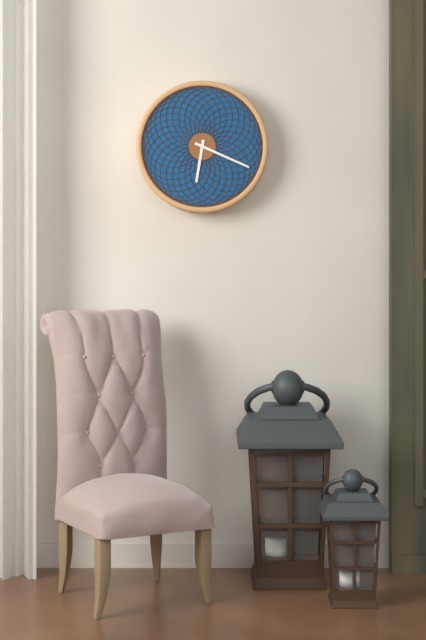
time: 6:19
